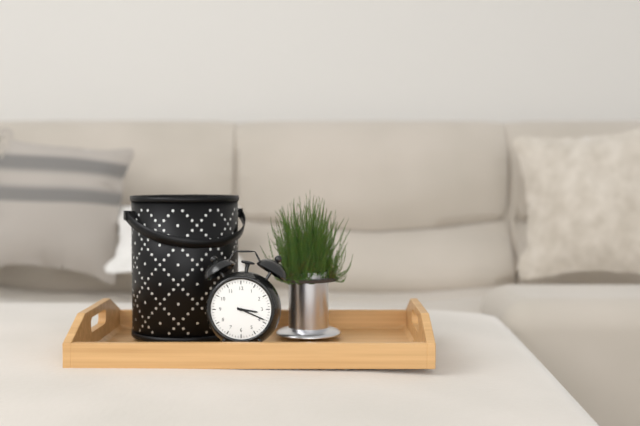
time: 3:19
